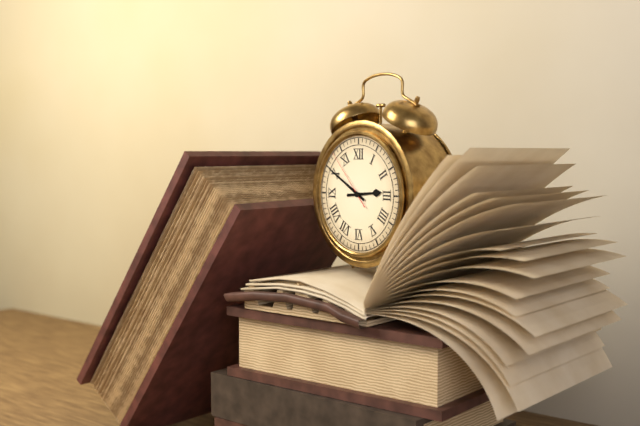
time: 2:50:53
